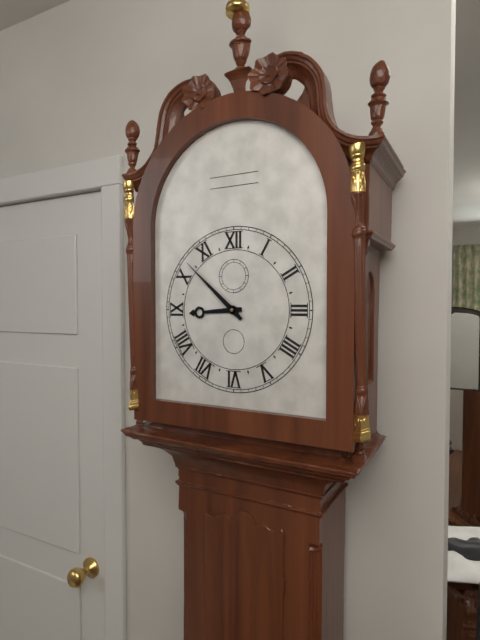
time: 8:52
